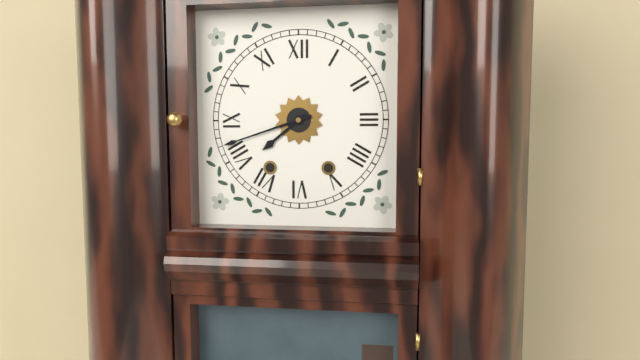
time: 7:42
